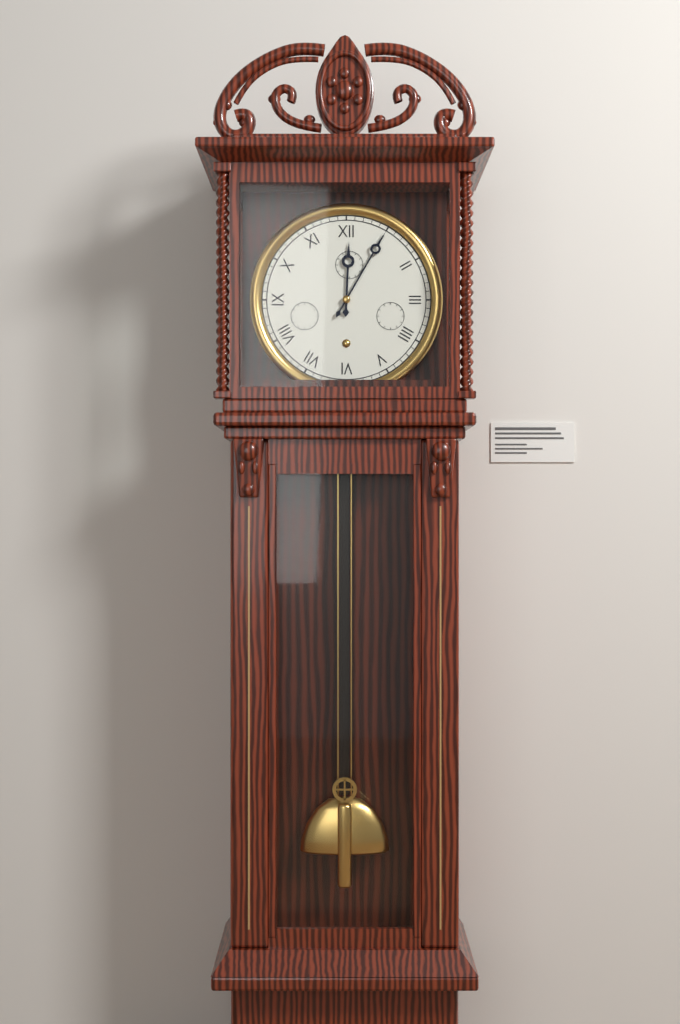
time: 12:05
